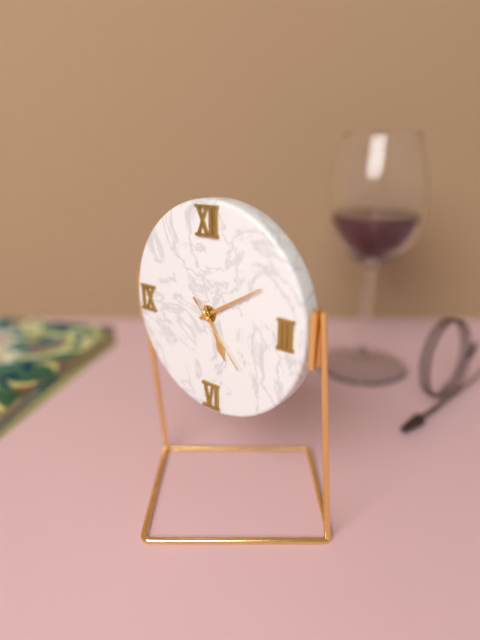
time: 5:10:23
